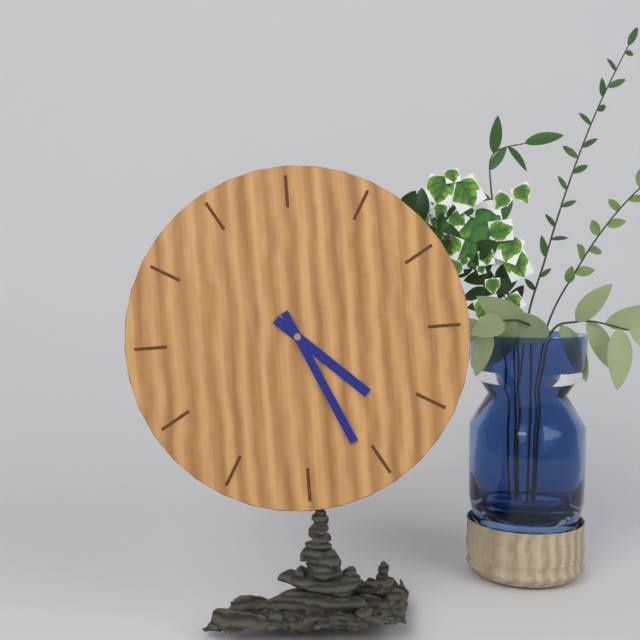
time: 4:26
